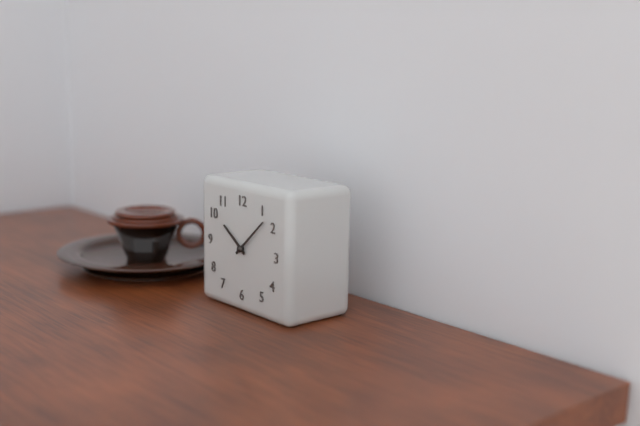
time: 10:08
